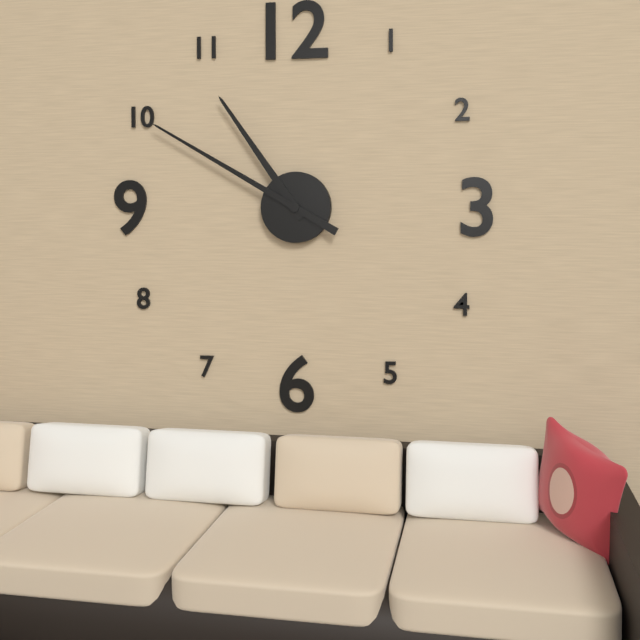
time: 10:50
